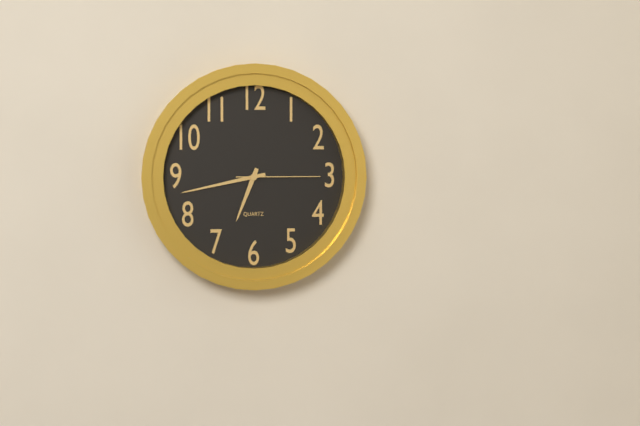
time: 6:43:15
